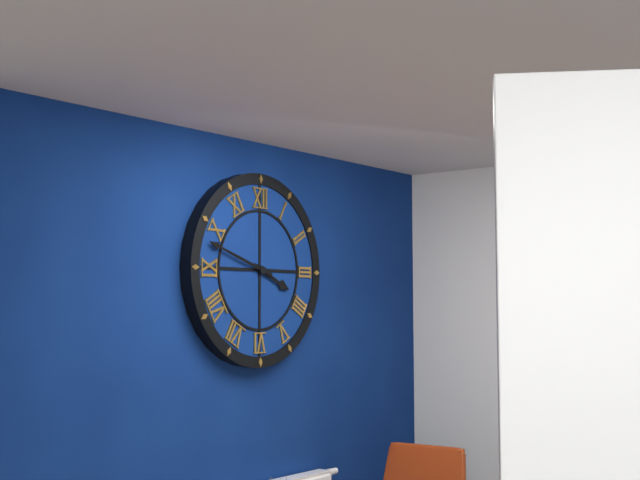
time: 3:48
